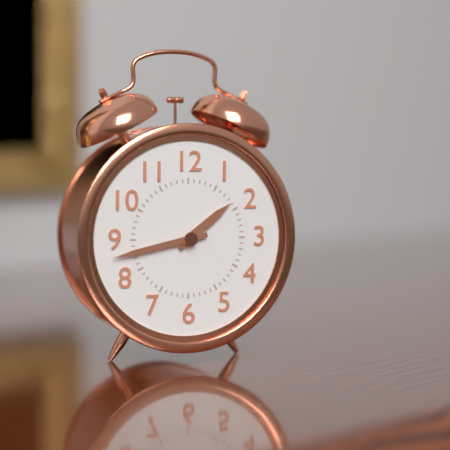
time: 1:43
